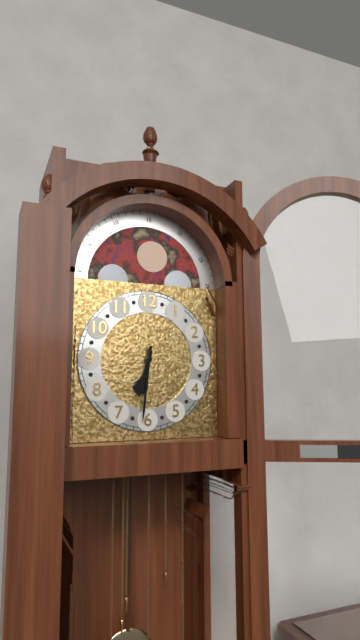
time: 6:31
